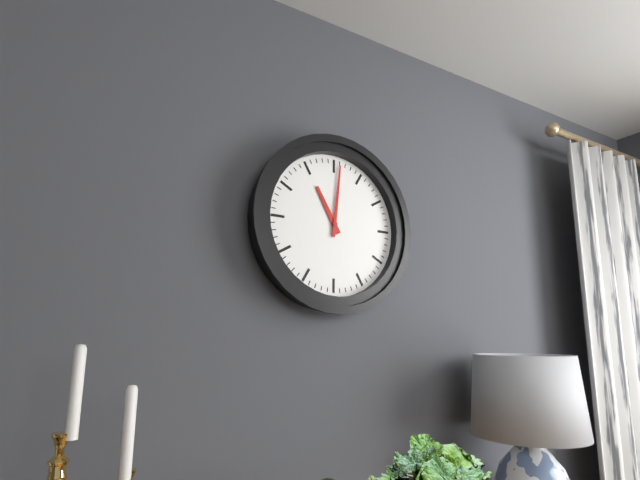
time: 11:01
